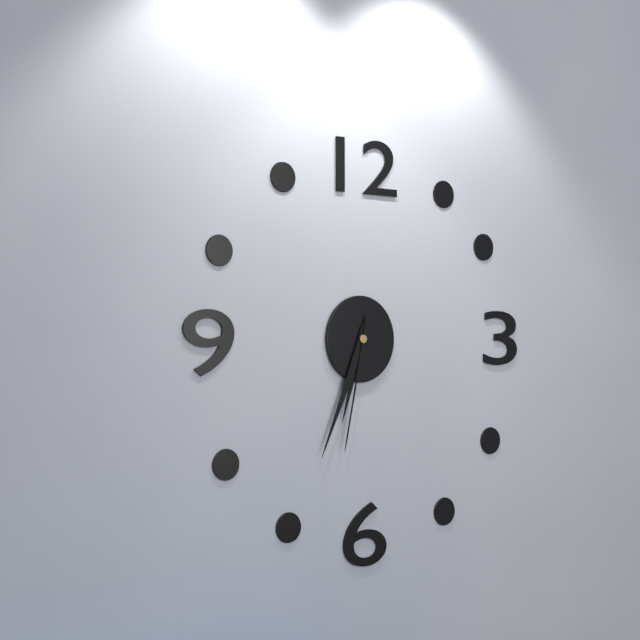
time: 6:34:32
